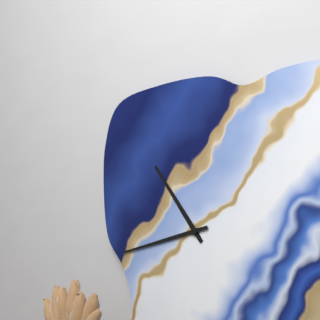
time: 10:43
